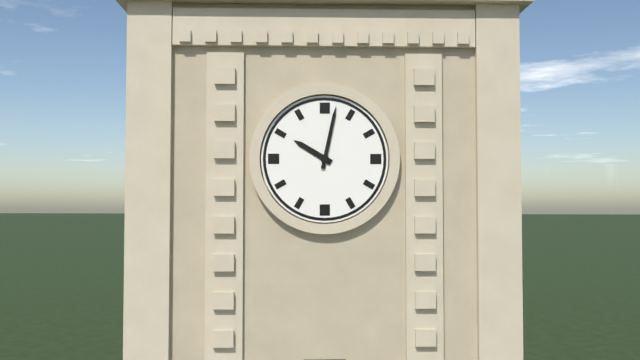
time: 10:02
